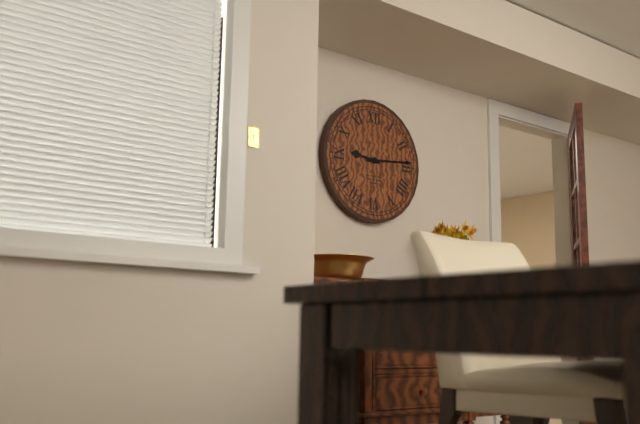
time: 9:14
